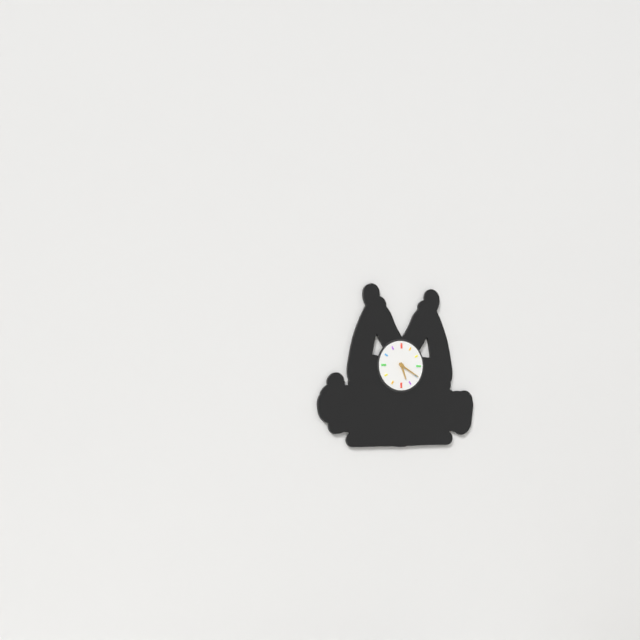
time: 5:20
